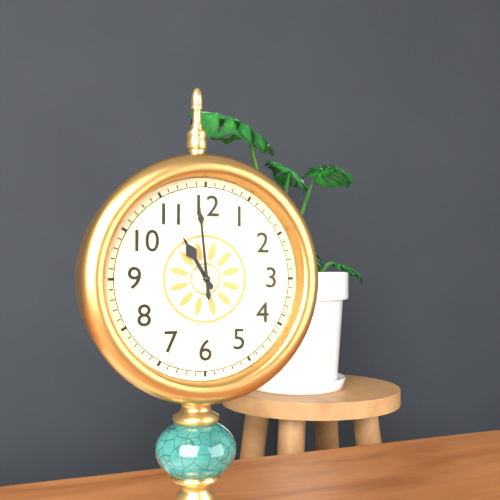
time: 10:59
